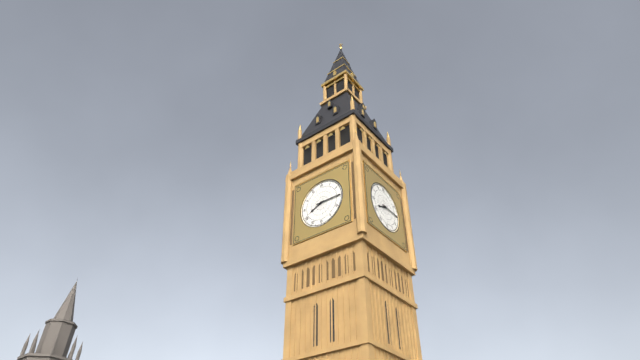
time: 8:15
